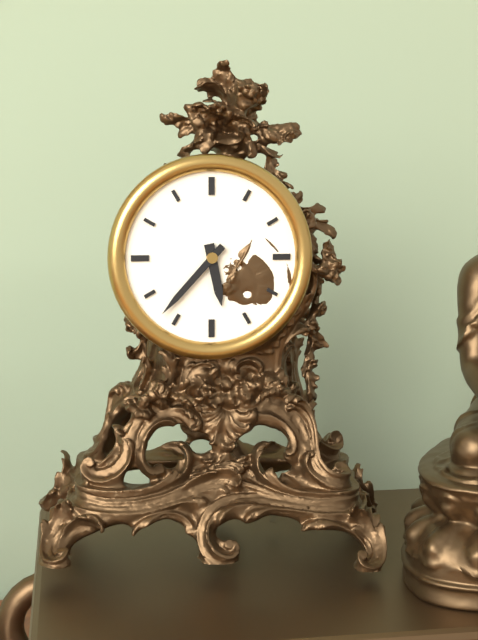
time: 5:37
